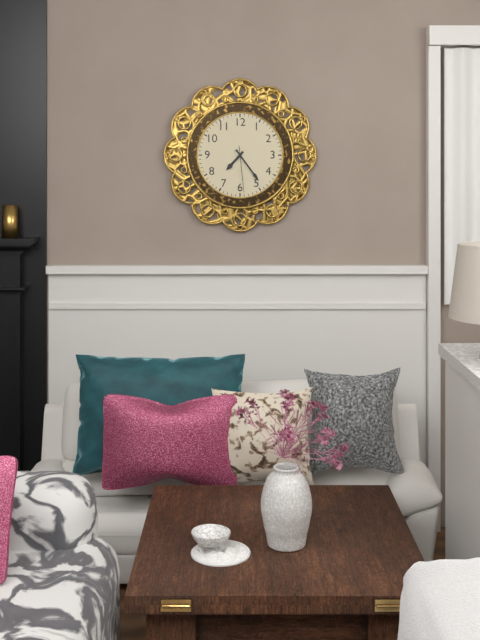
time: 7:24
